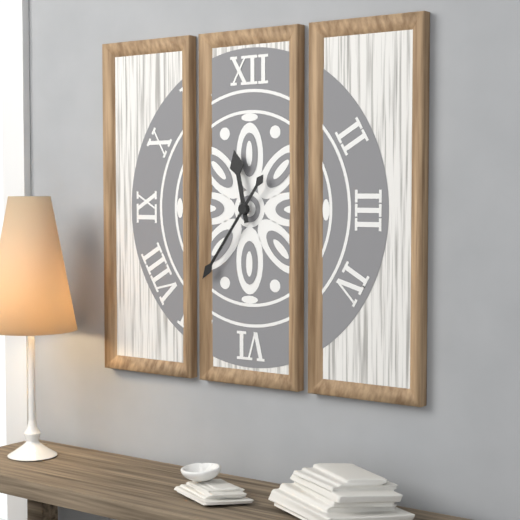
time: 11:36
